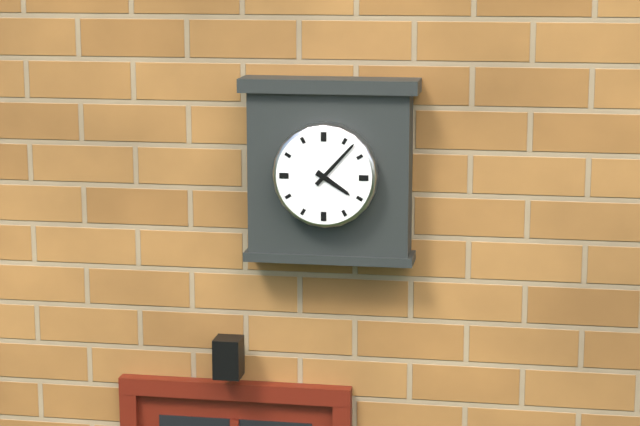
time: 4:07
